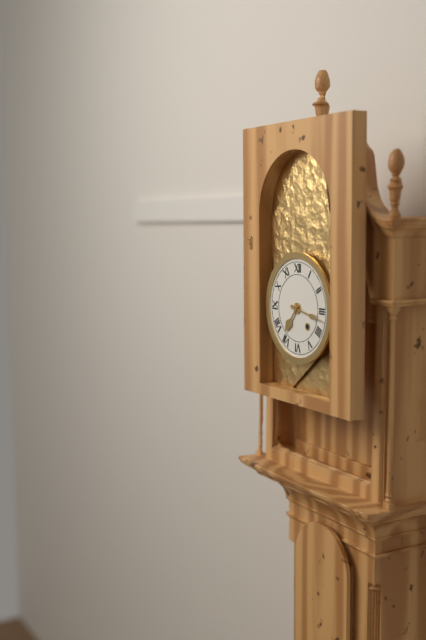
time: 7:17
